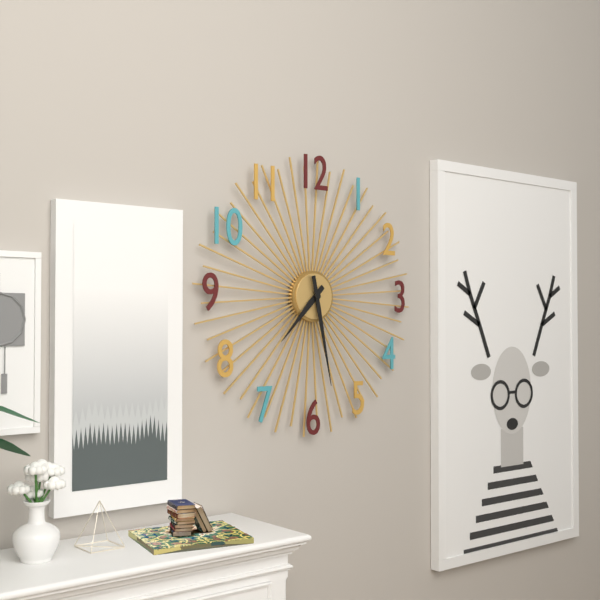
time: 7:28
